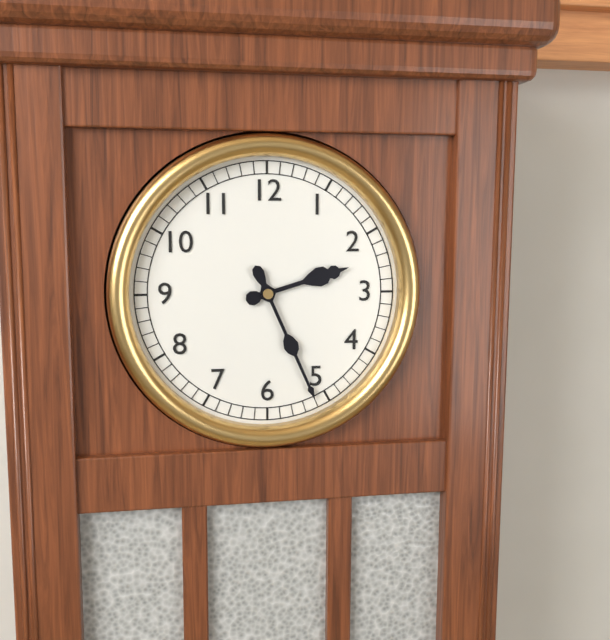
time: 2:26
